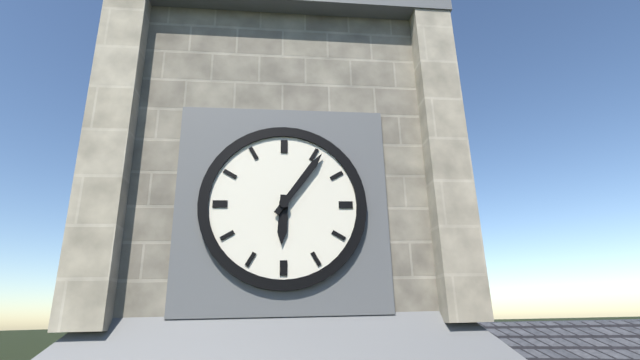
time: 6:06
